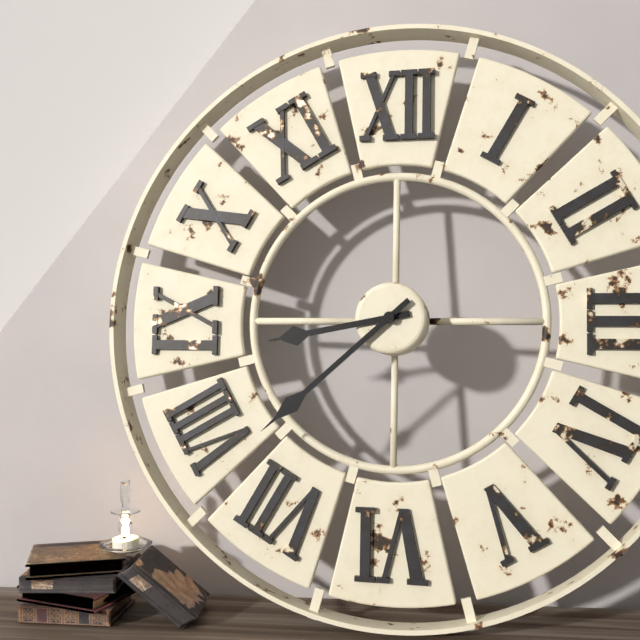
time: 8:38
